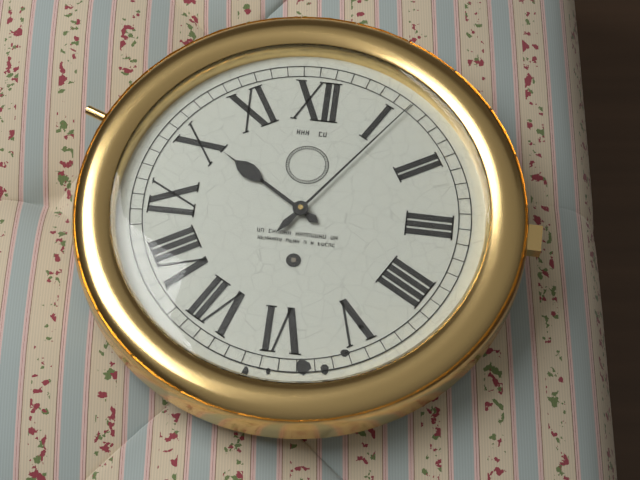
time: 10:06
